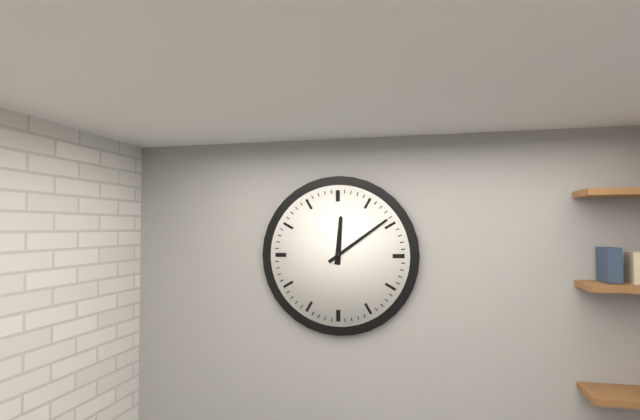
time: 12:09
